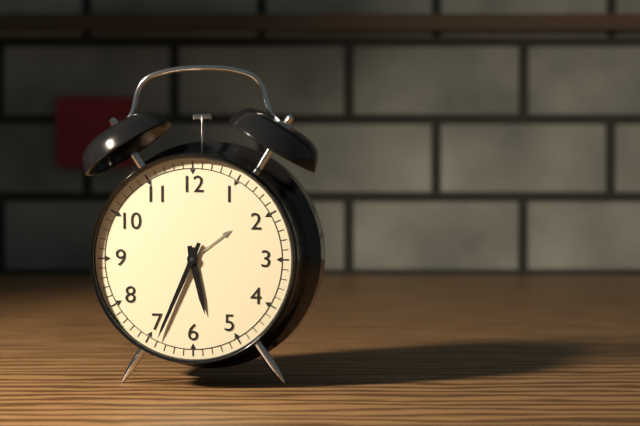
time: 5:34
